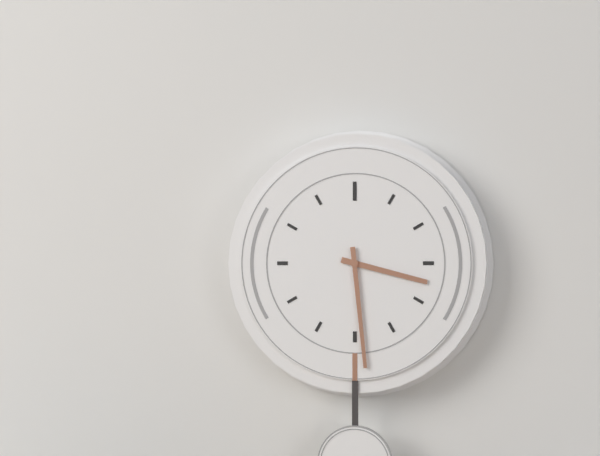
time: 3:29
